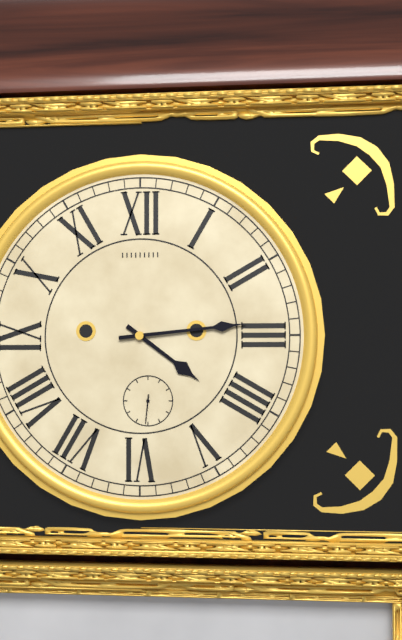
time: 4:14
